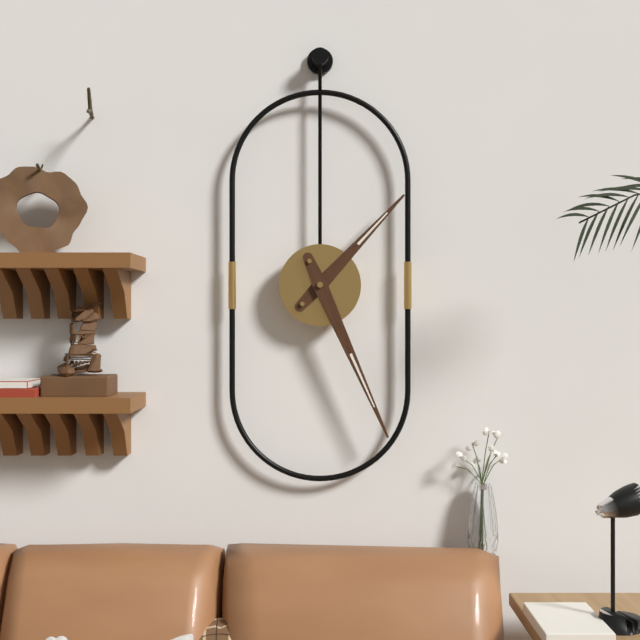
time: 1:26
